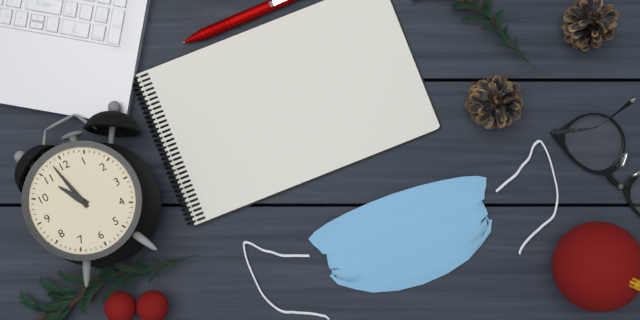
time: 10:58
